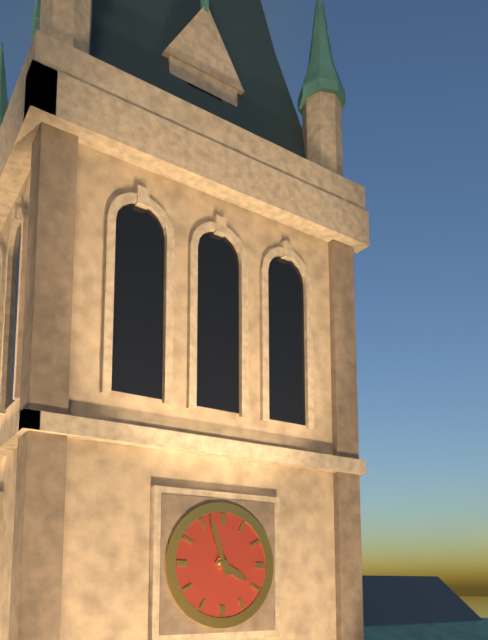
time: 3:57
